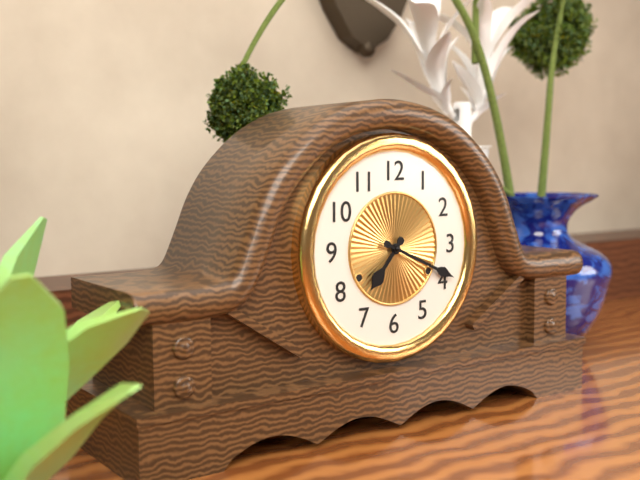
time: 7:19
